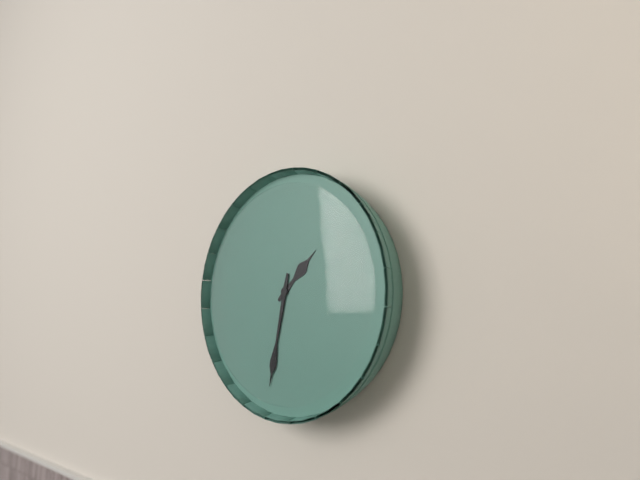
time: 1:32
